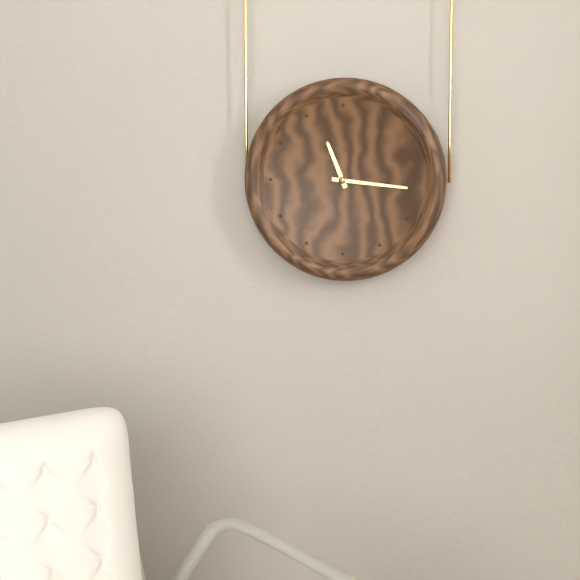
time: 11:16
